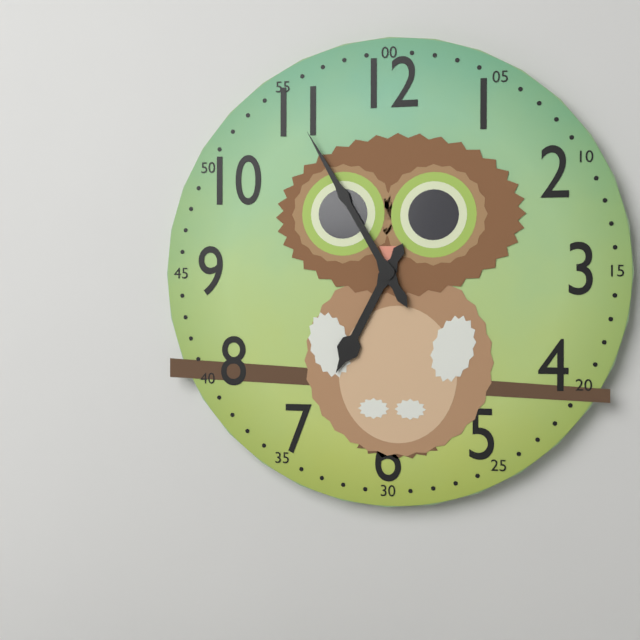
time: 6:55
